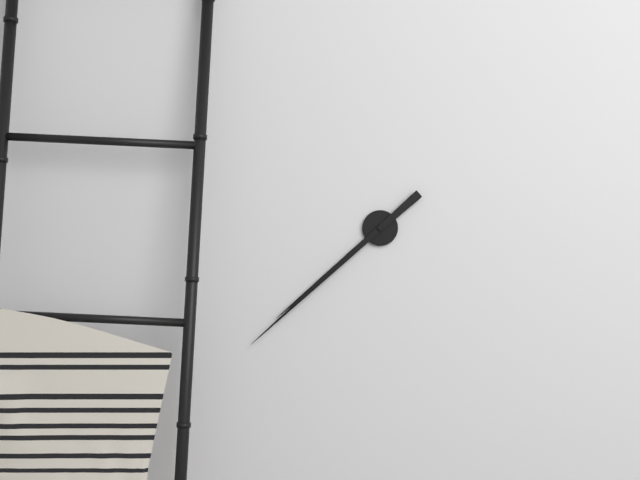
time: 7:38
